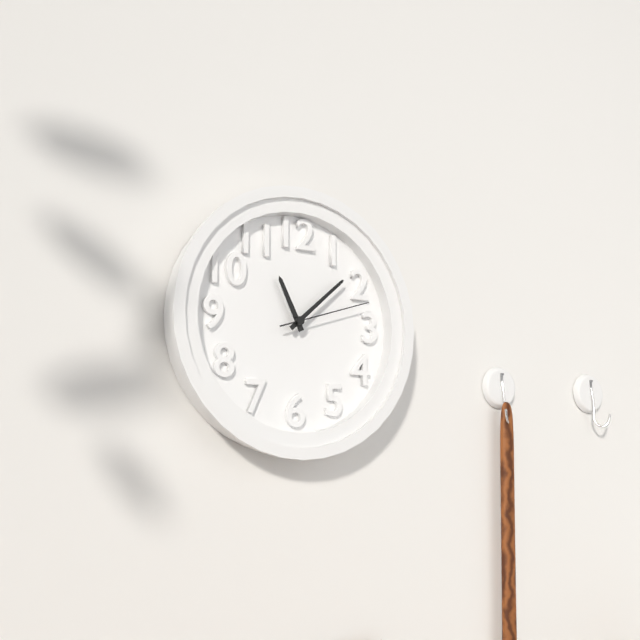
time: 11:08:12
